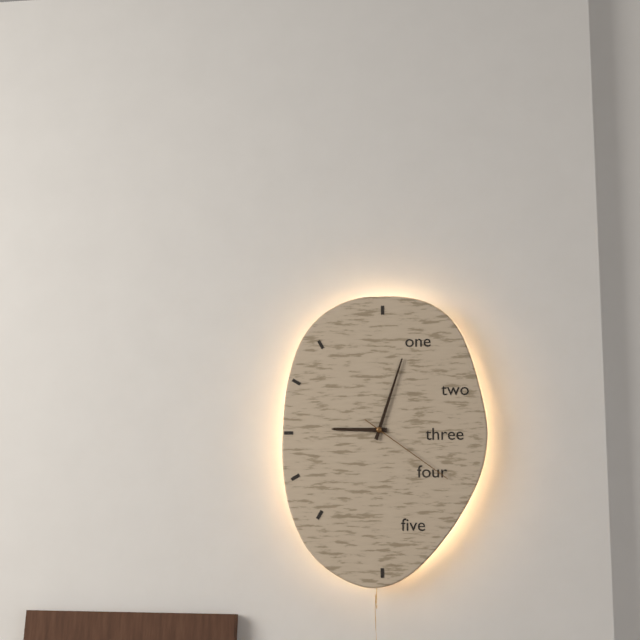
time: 9:03:21
